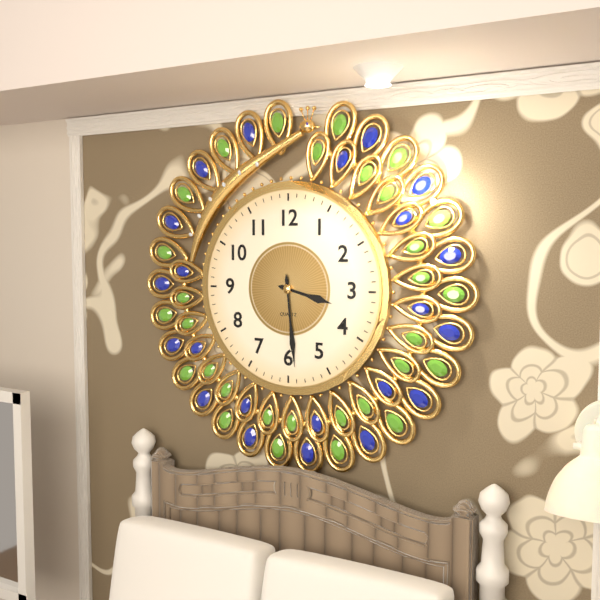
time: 3:29
